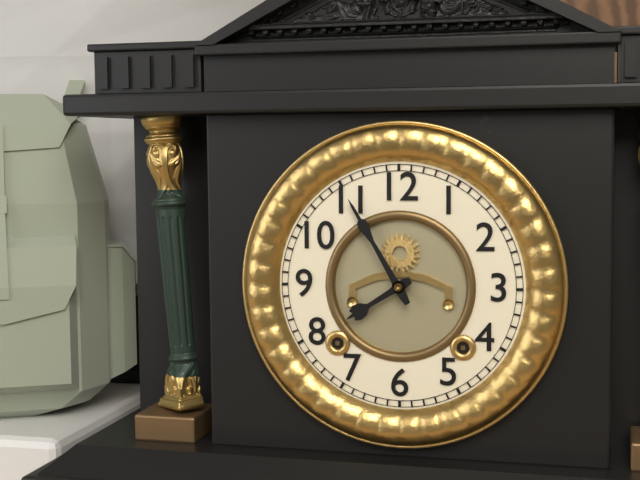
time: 7:55
